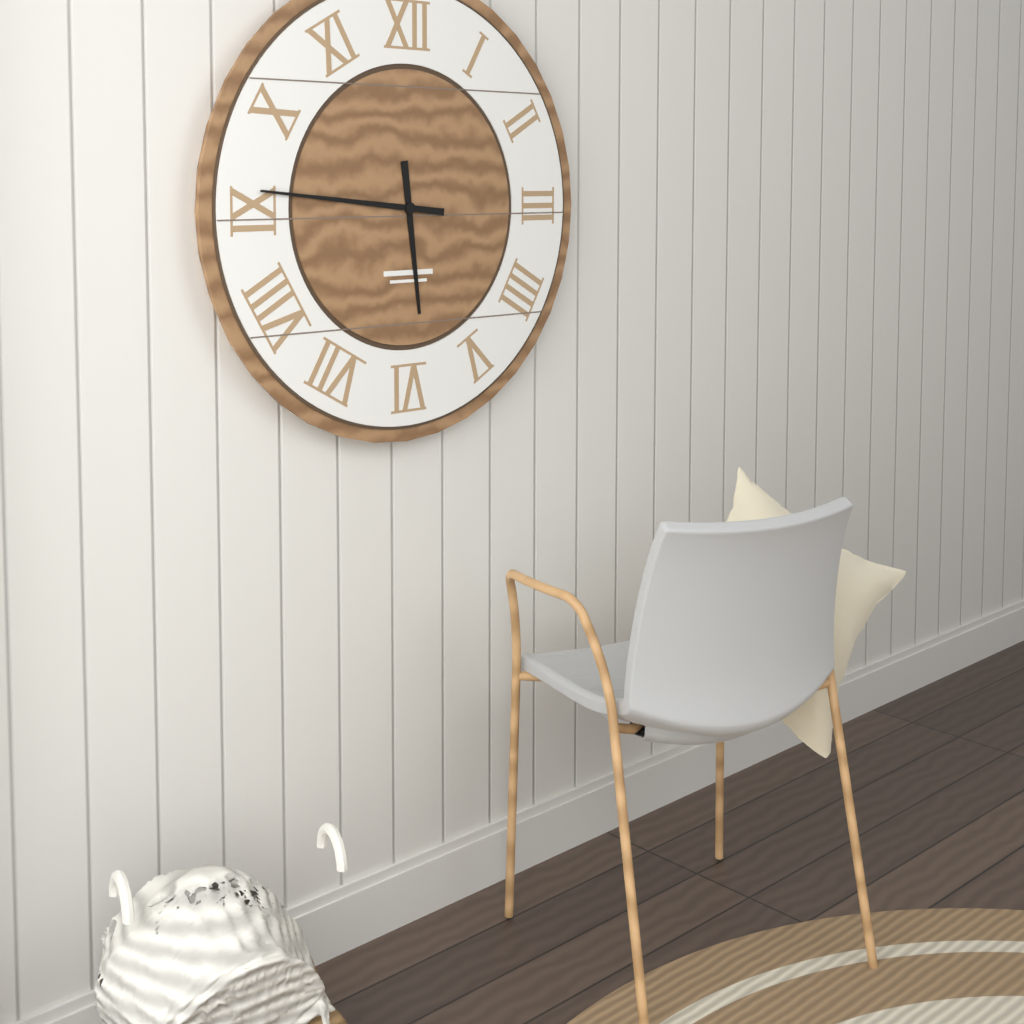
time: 5:46
